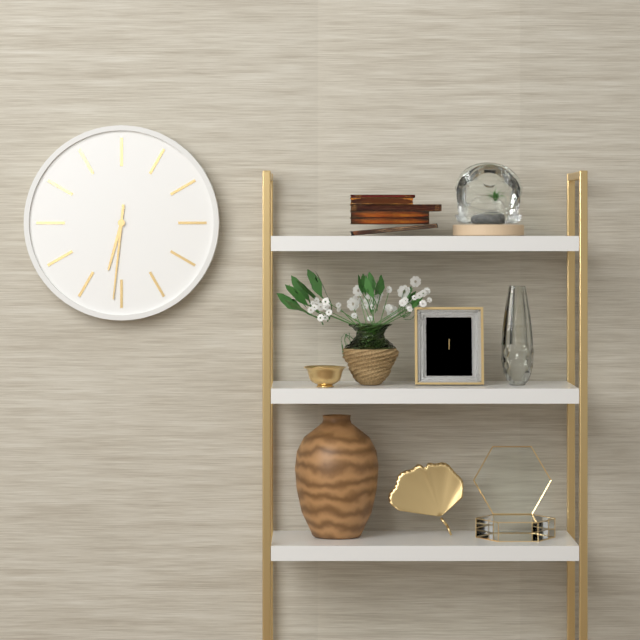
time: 6:31
